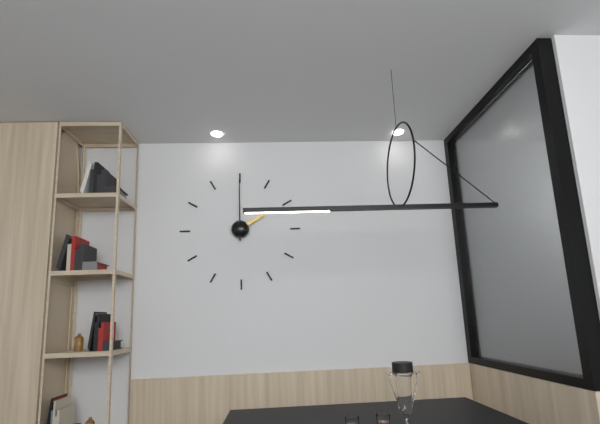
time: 2:00
